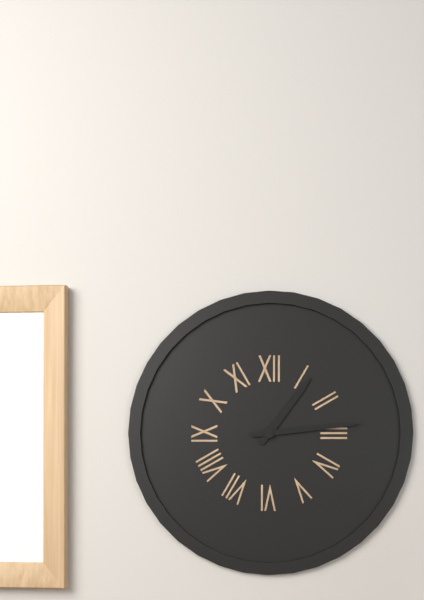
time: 1:14
